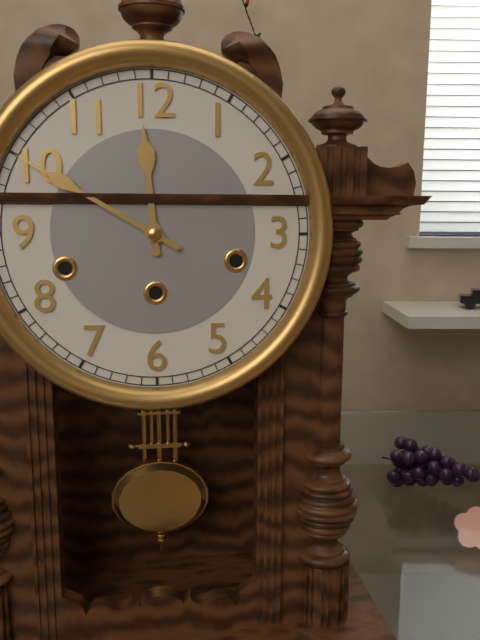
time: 11:50
